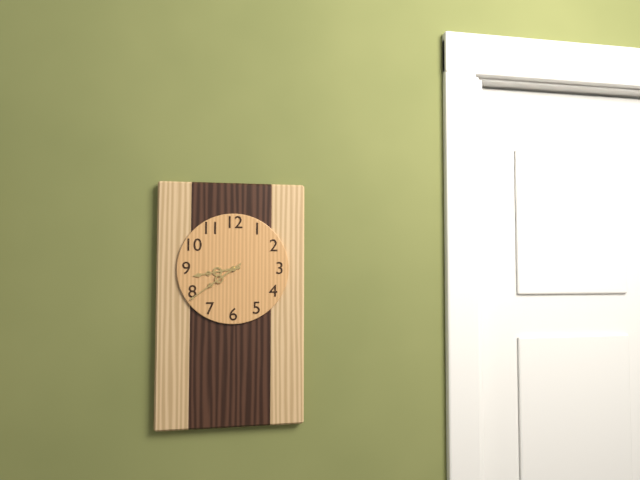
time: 8:39
